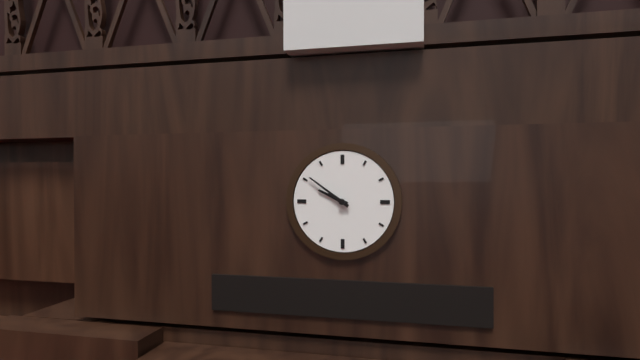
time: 9:51
